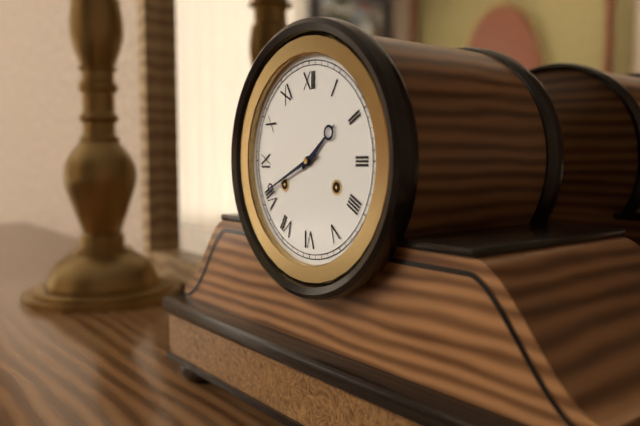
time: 1:41
